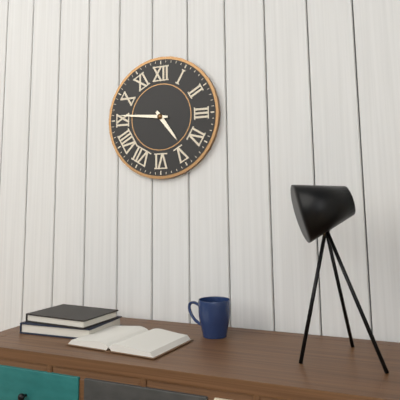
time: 4:46
